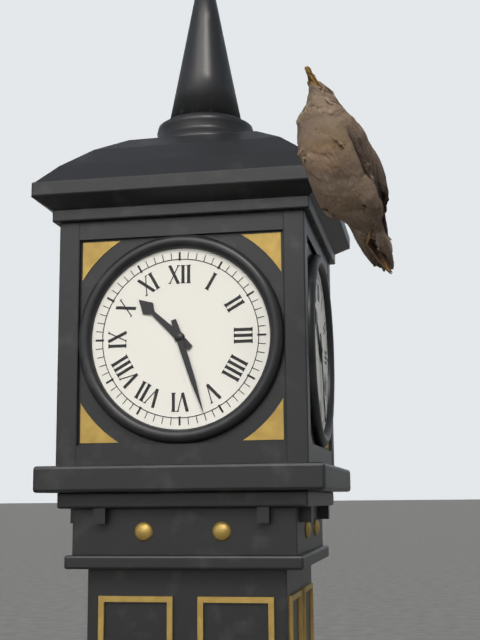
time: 10:27
